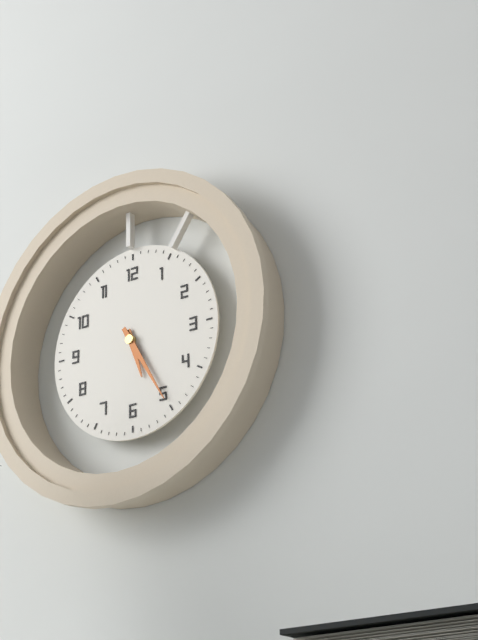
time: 5:25
